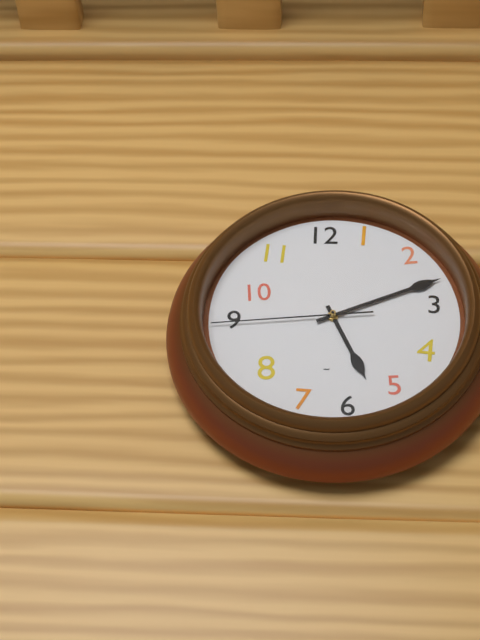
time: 5:11:44
